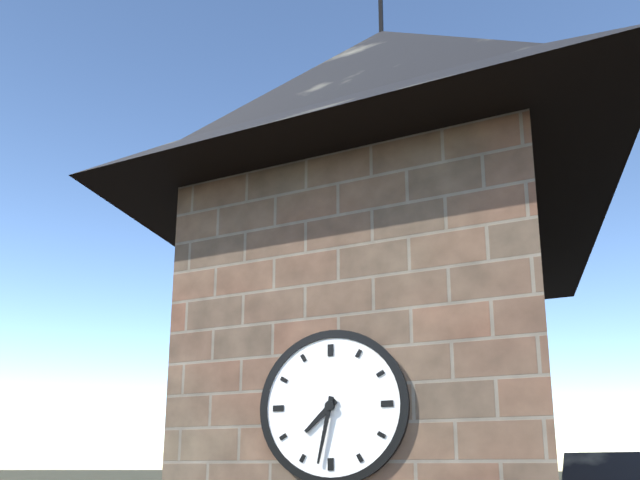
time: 7:32
